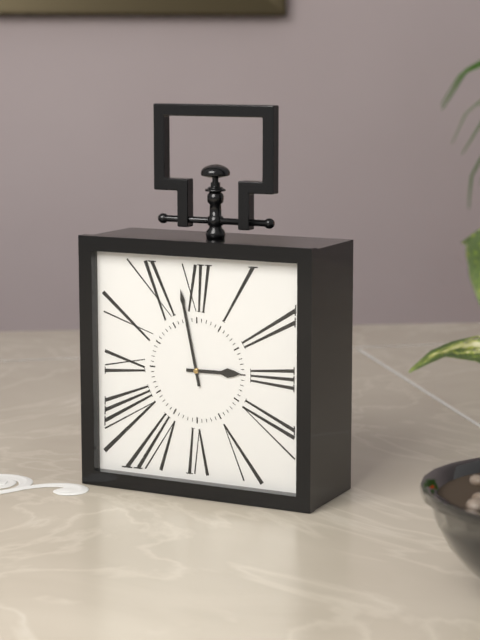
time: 2:58
